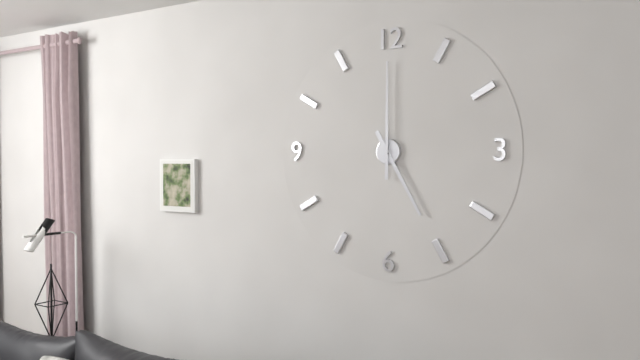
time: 5:00
